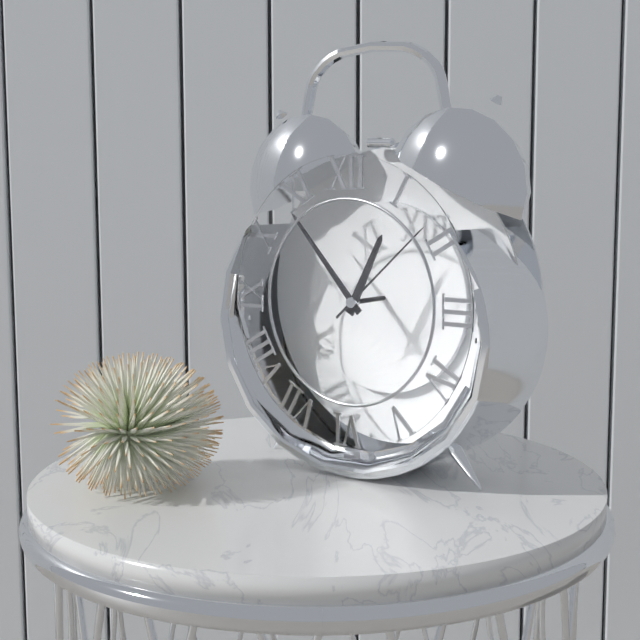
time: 12:53:08
